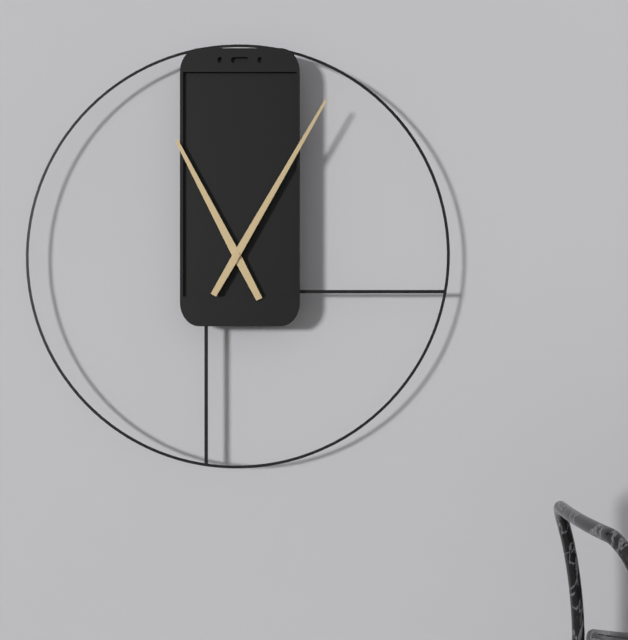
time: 11:05
